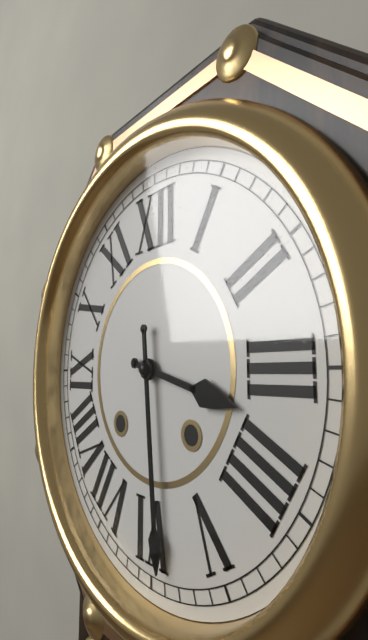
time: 3:29
